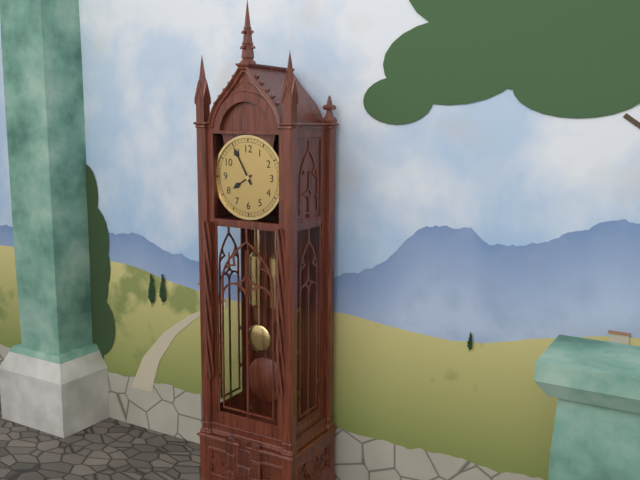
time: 7:55
